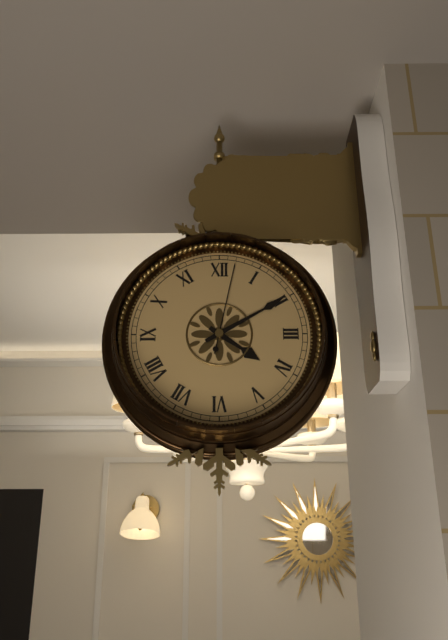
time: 4:10:02
